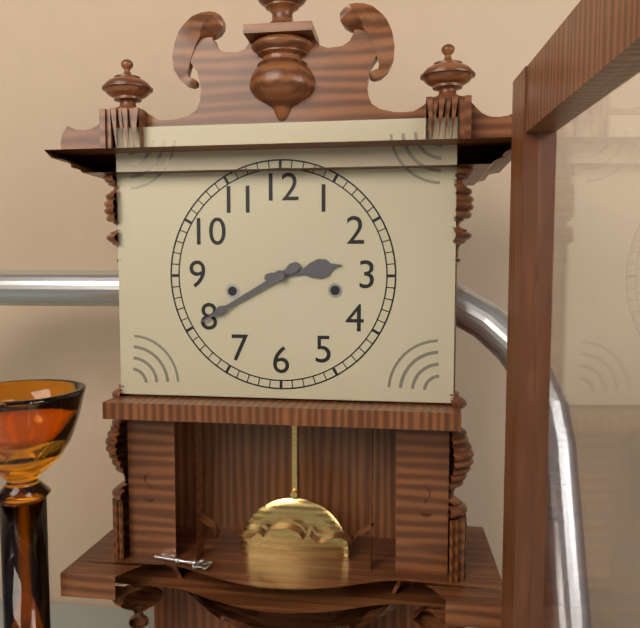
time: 2:40
